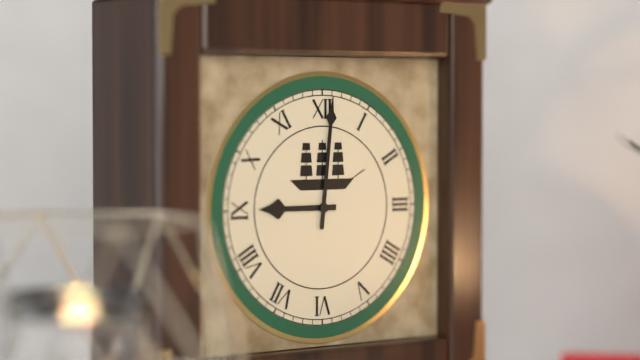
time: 9:01
